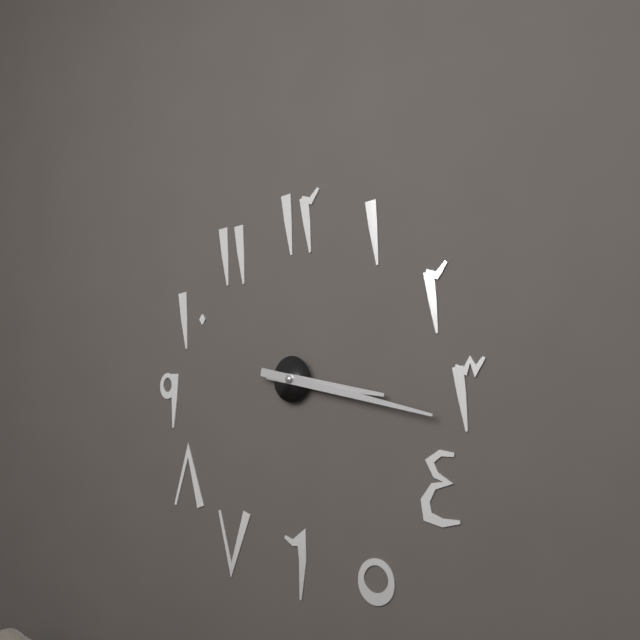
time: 3:17
